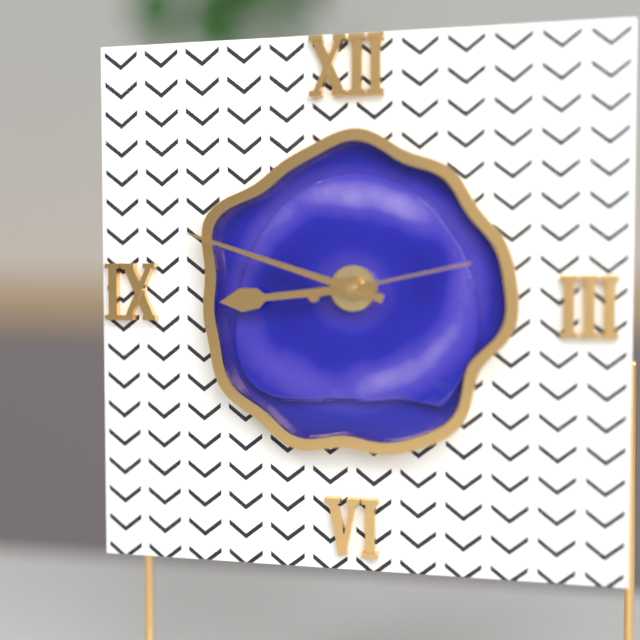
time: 8:48:13
